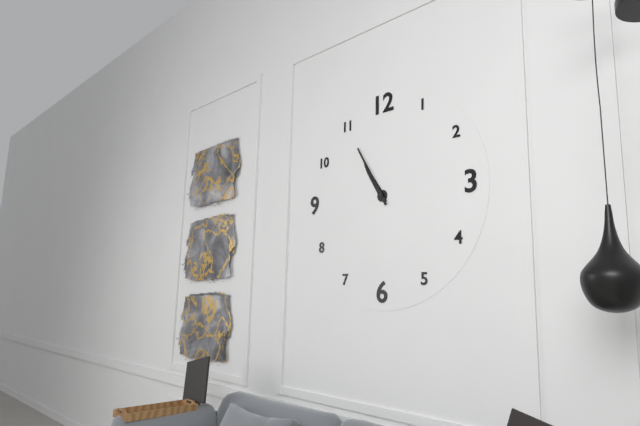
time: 10:55
